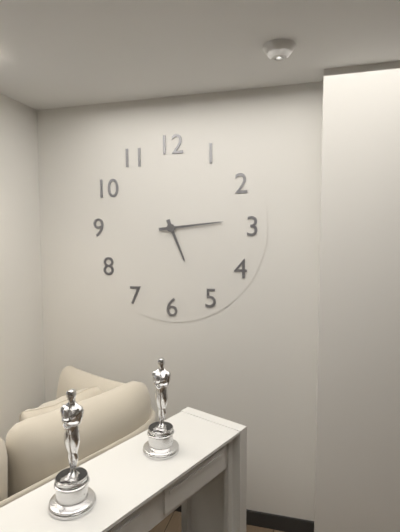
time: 5:14
